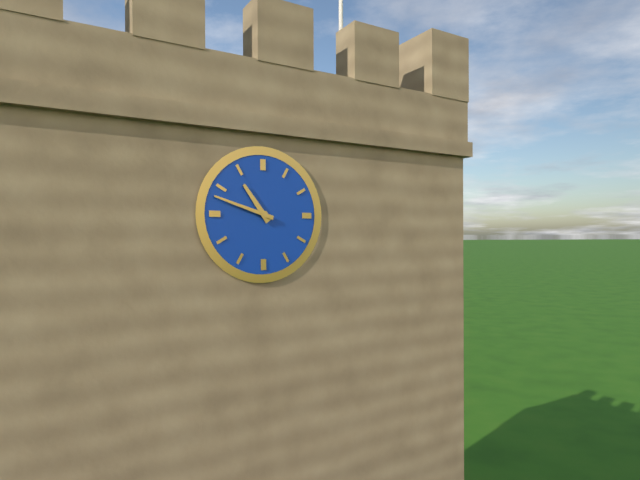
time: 10:48
